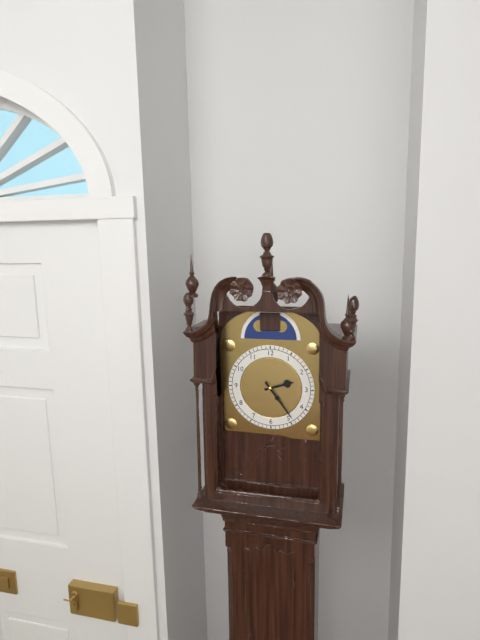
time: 2:24
